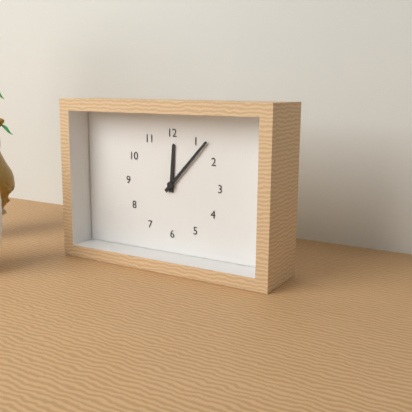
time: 12:07
